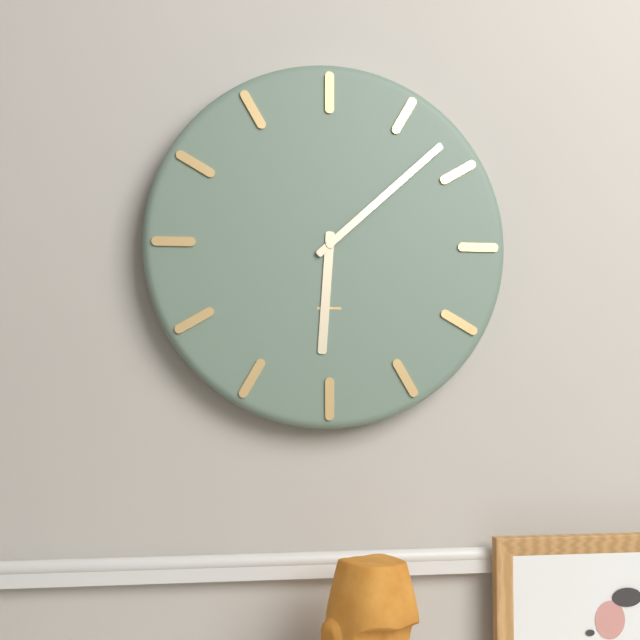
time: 6:08
